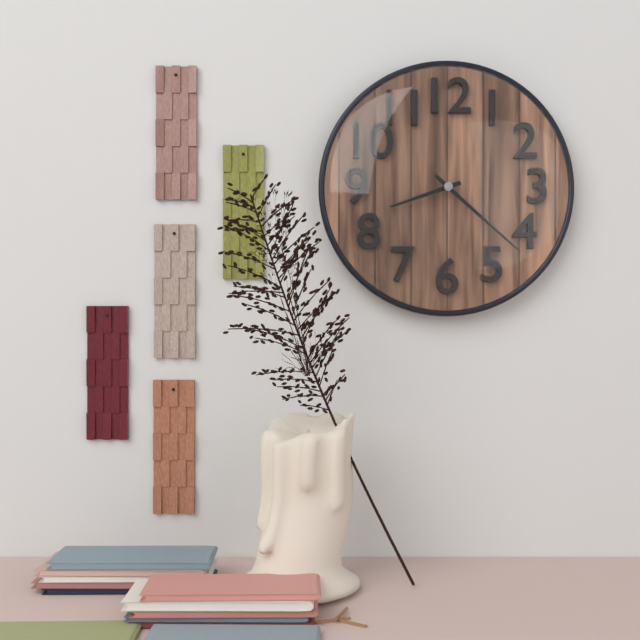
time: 8:22
